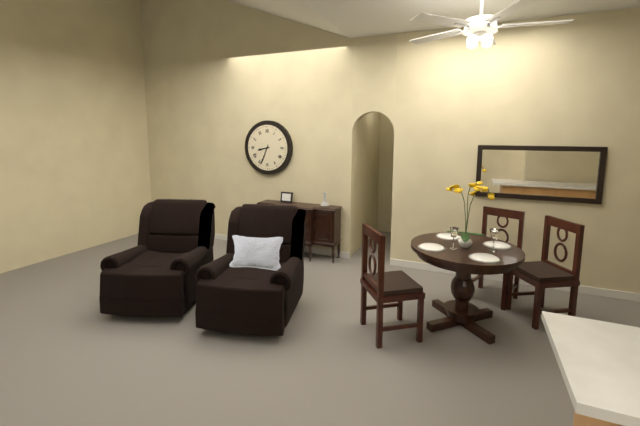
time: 8:34
